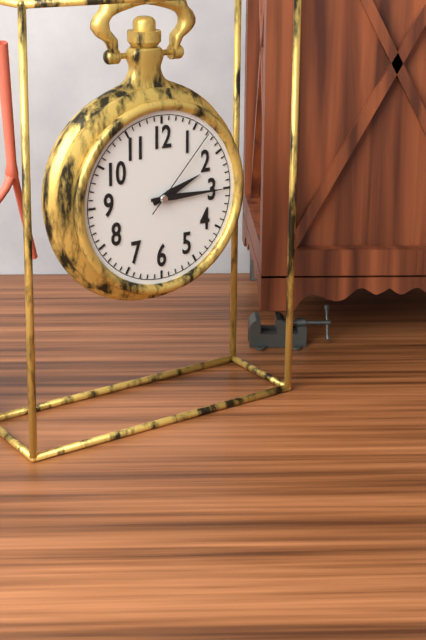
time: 2:15:07
